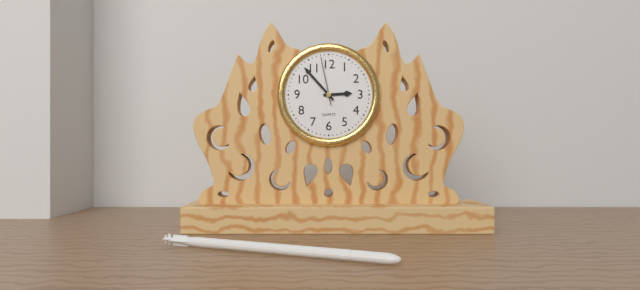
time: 2:53:58
